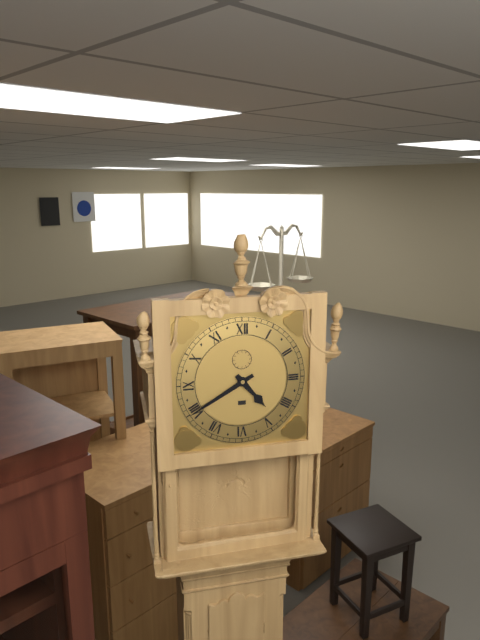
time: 4:40
